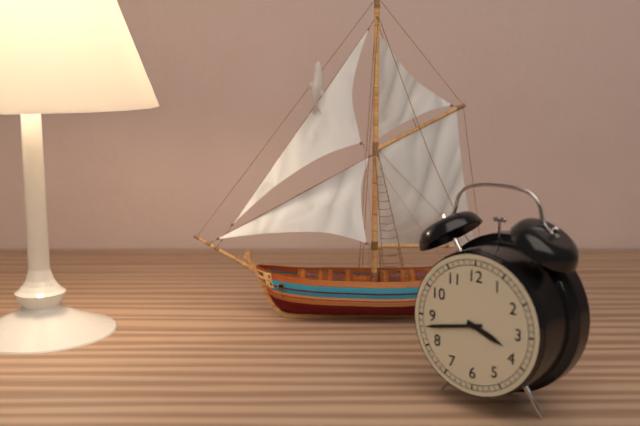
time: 3:43
